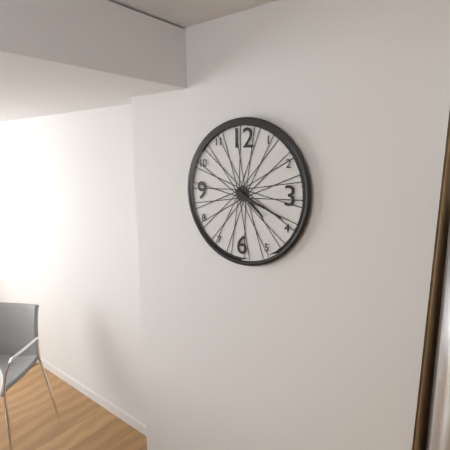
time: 4:19
